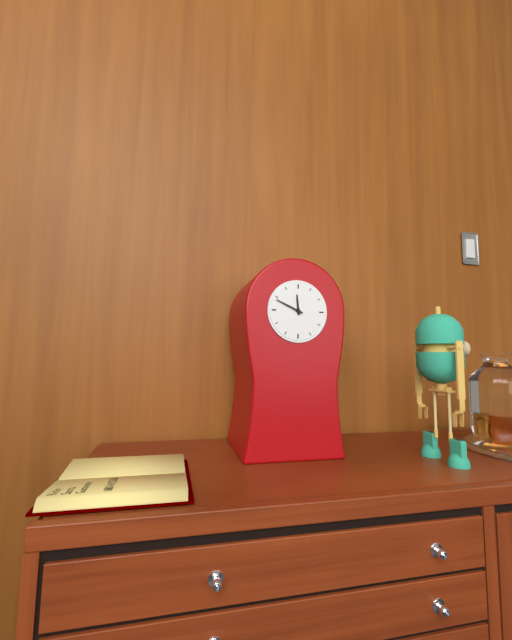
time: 11:49
